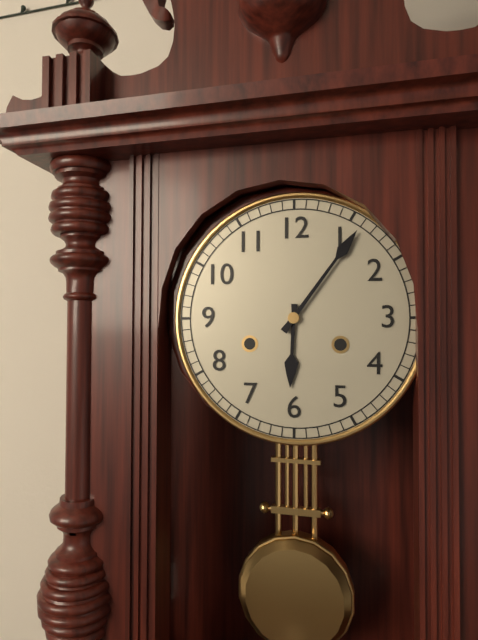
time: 6:06
